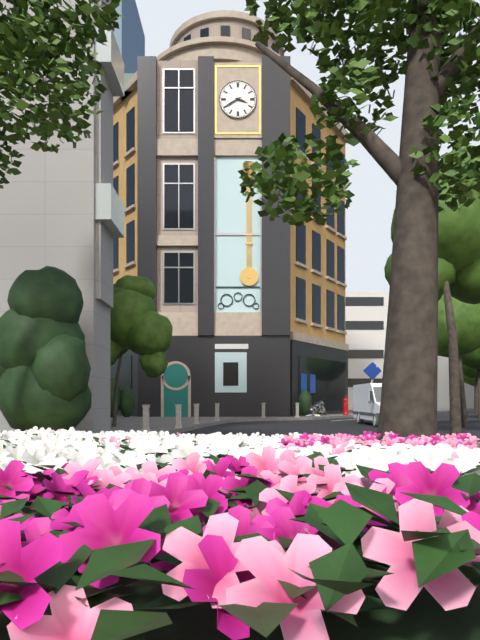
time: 3:40
